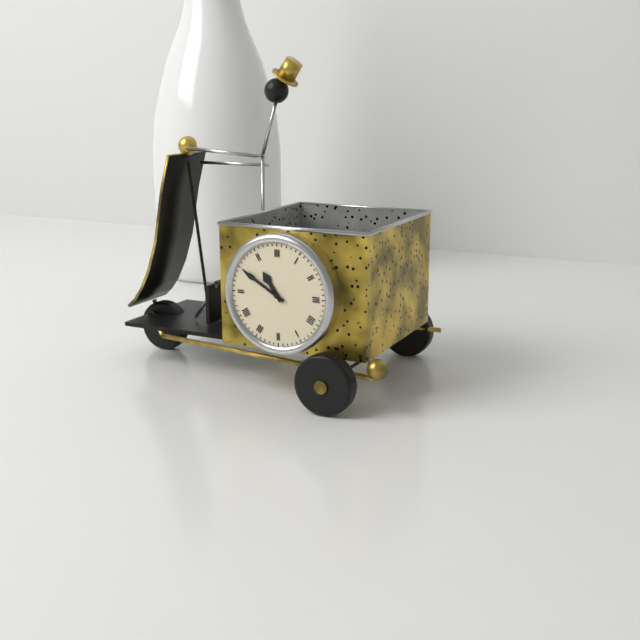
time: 10:50
